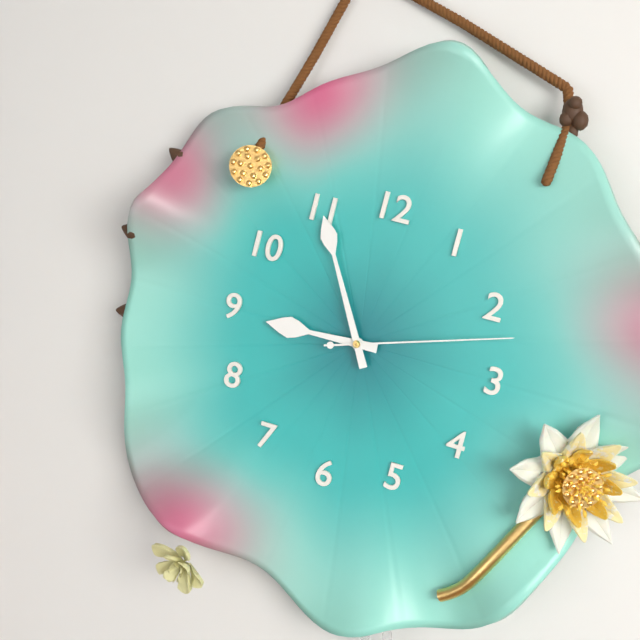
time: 8:55:12
